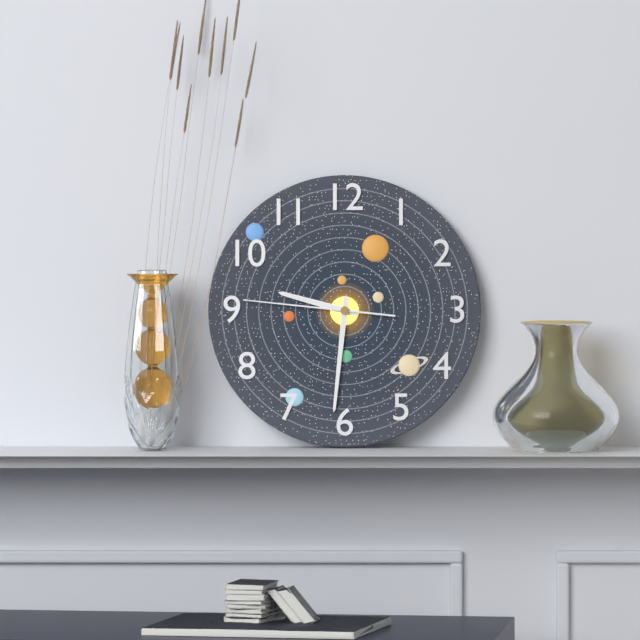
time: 9:31:46
